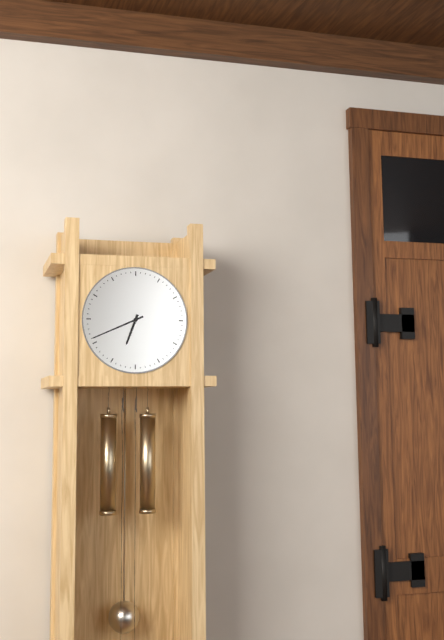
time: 6:41
